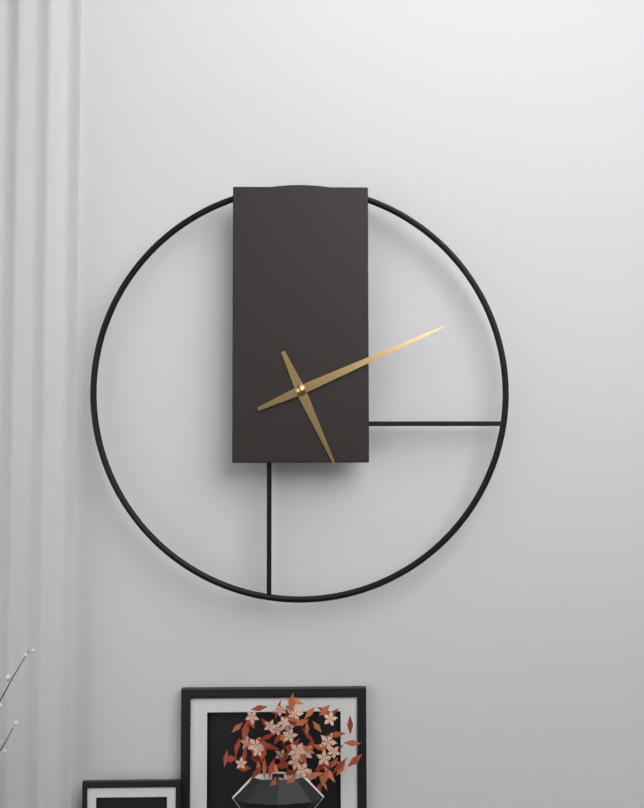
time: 5:11
